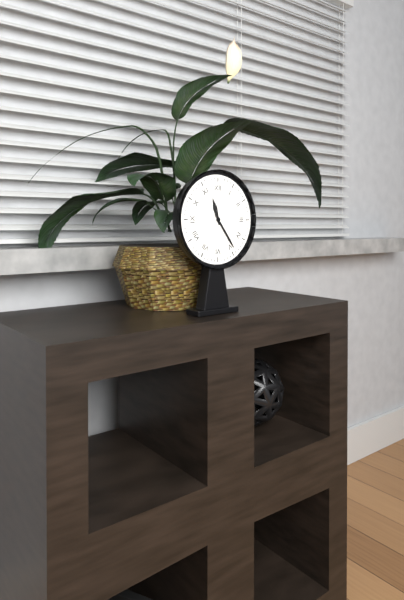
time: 11:24
